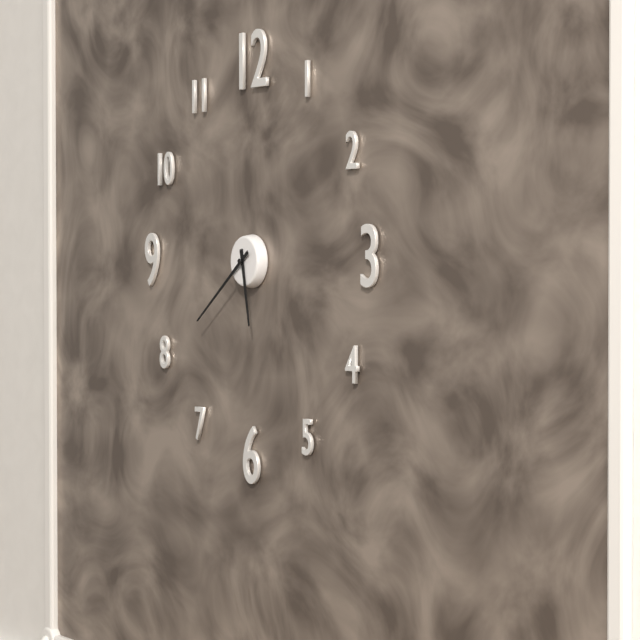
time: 5:39
